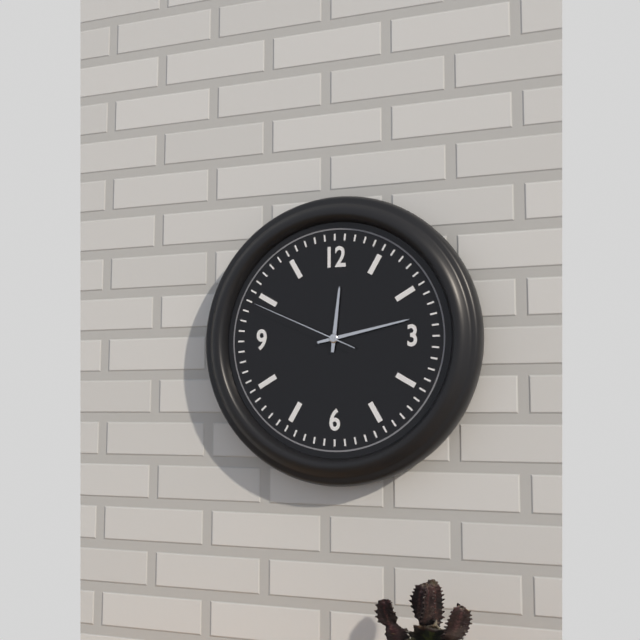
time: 12:13:49
